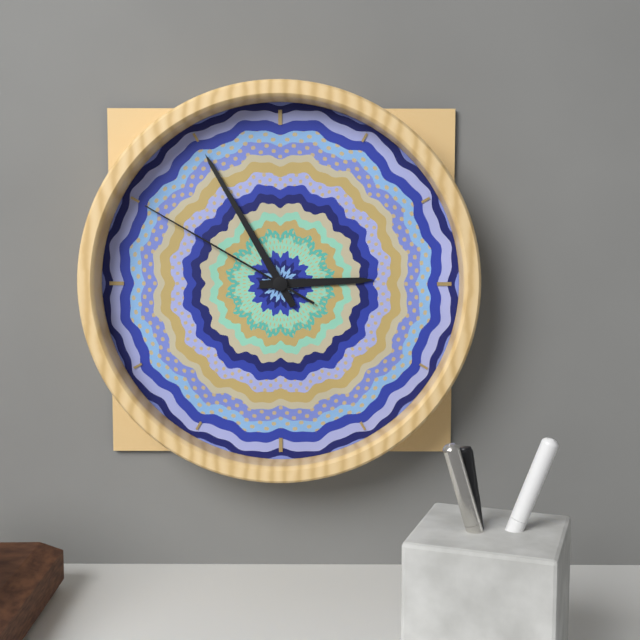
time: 2:55:50
